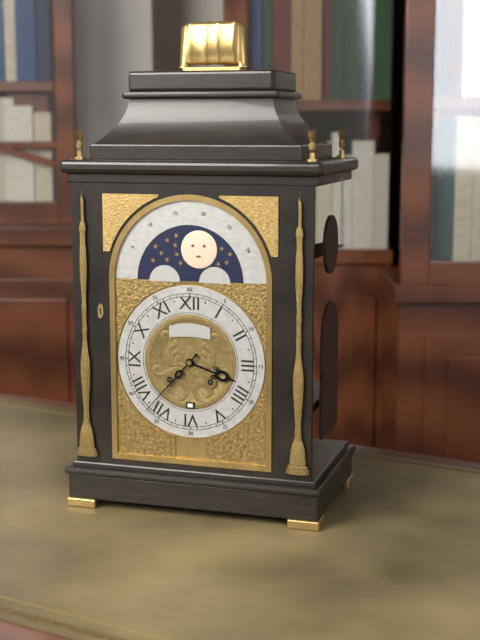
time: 3:37
